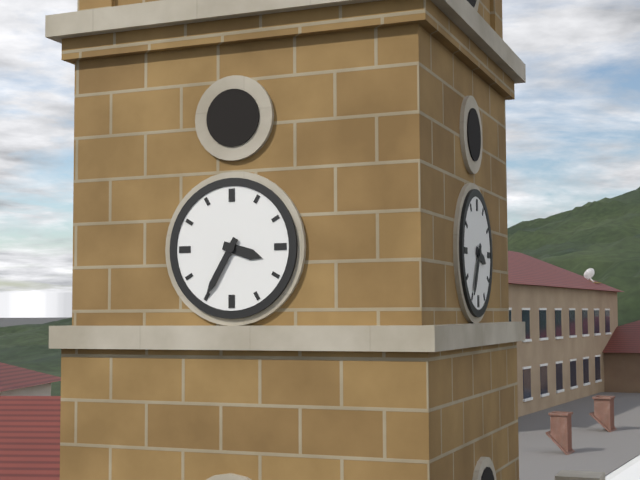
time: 3:35
